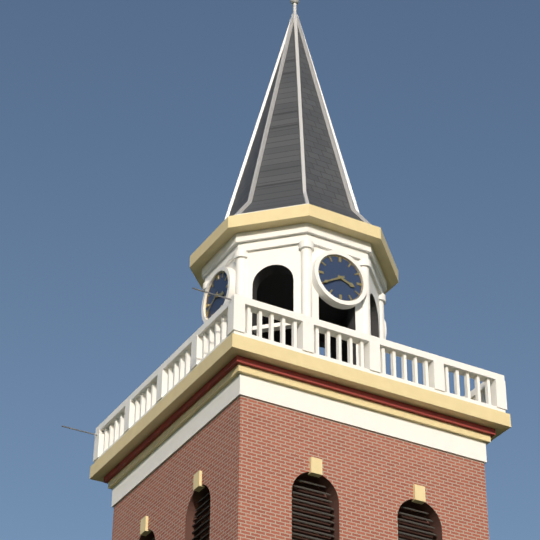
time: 3:40
